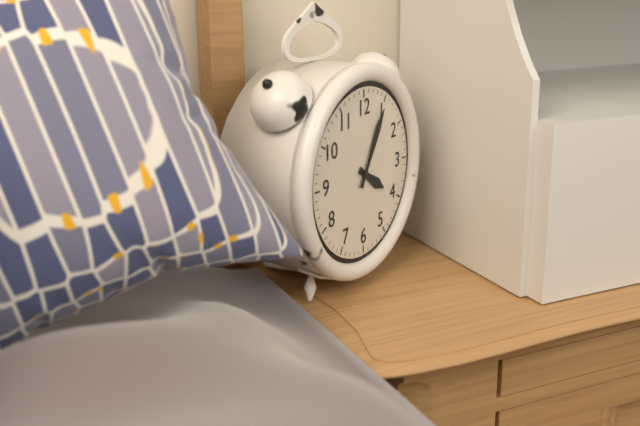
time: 4:05
